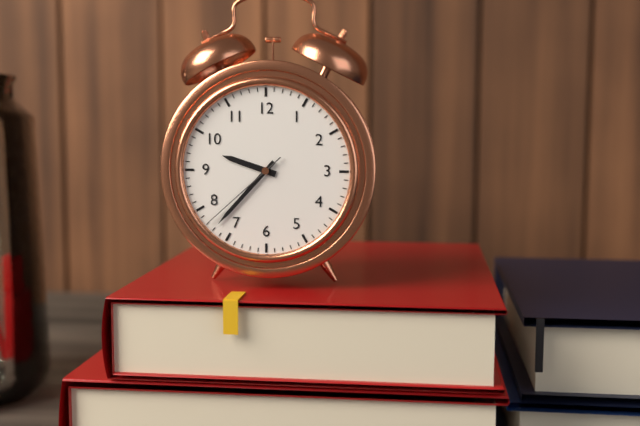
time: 9:37:38
